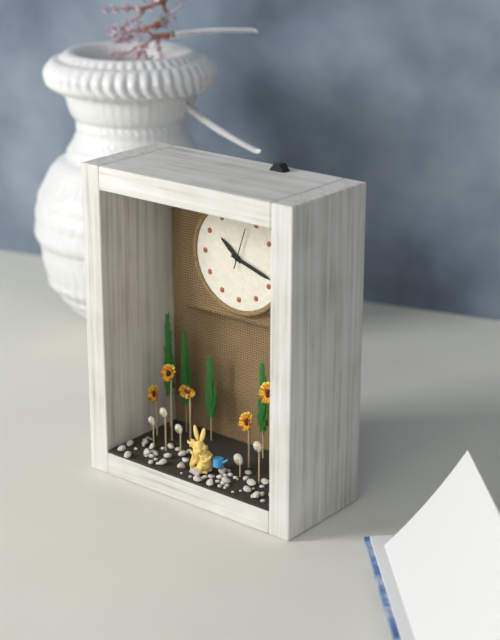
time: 10:18
